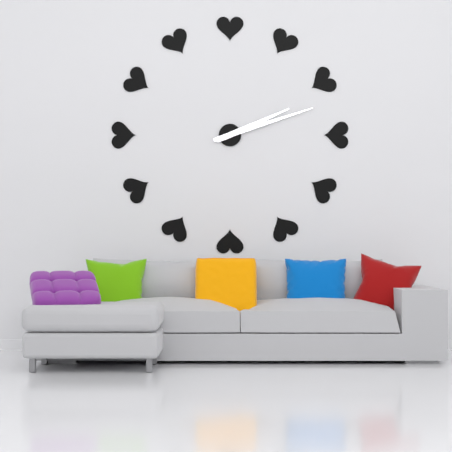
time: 2:12
